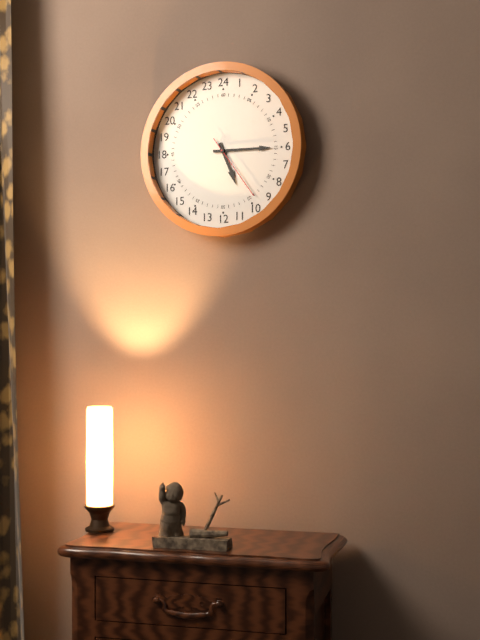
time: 5:15:24
